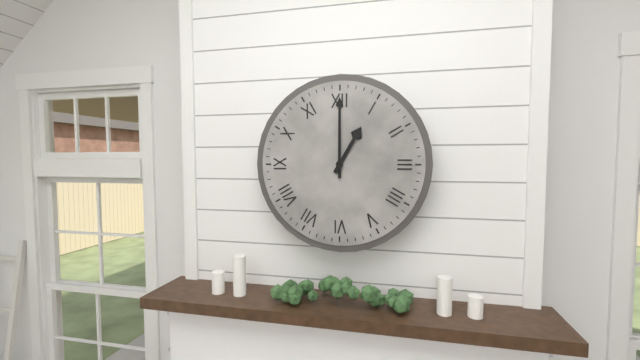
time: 1:00
